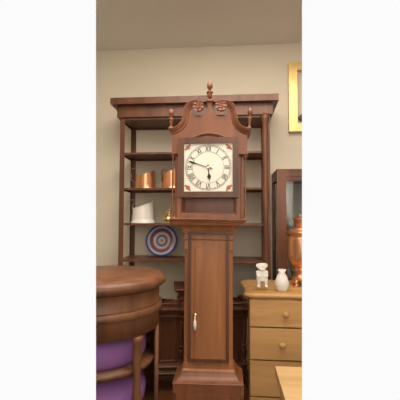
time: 5:48
